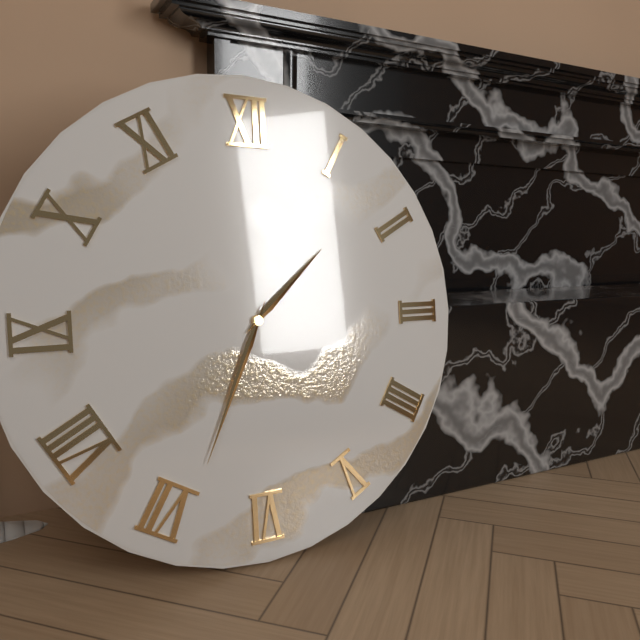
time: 1:34
